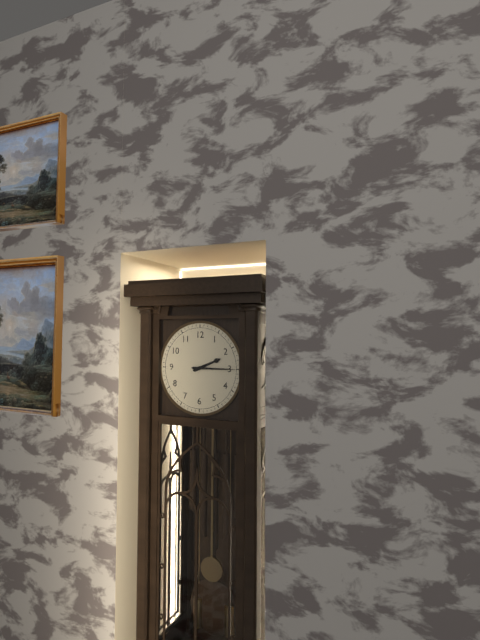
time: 2:15
